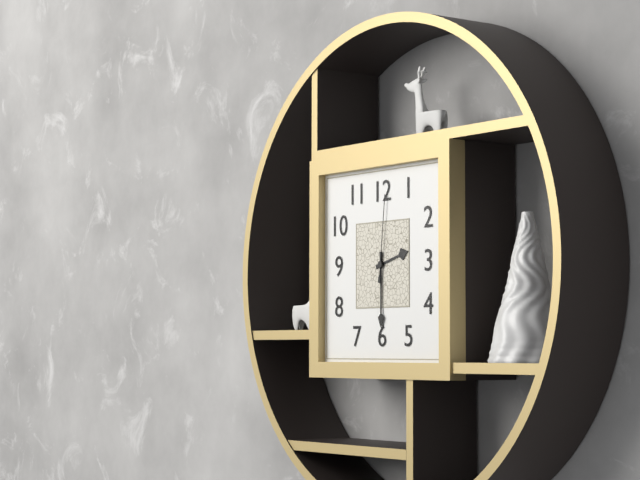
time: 2:30:01
